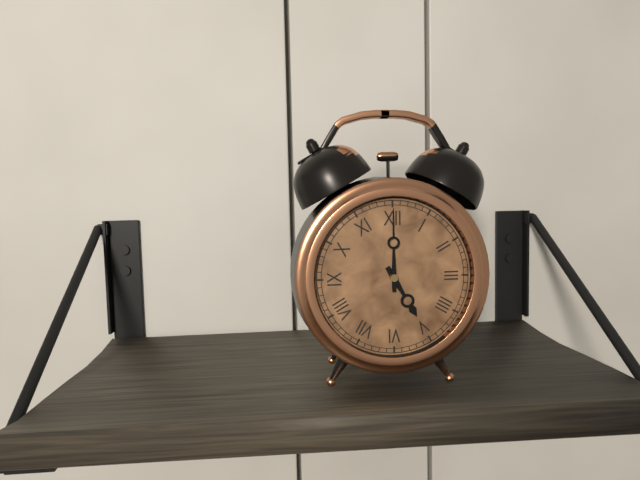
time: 5:00
